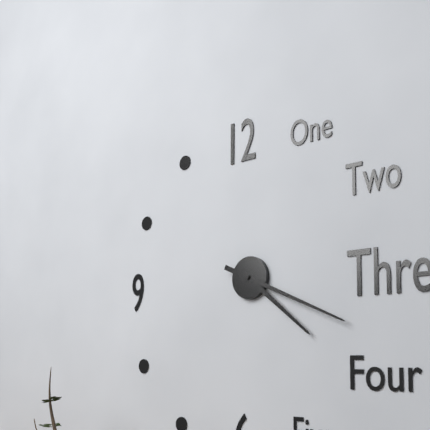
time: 4:19
